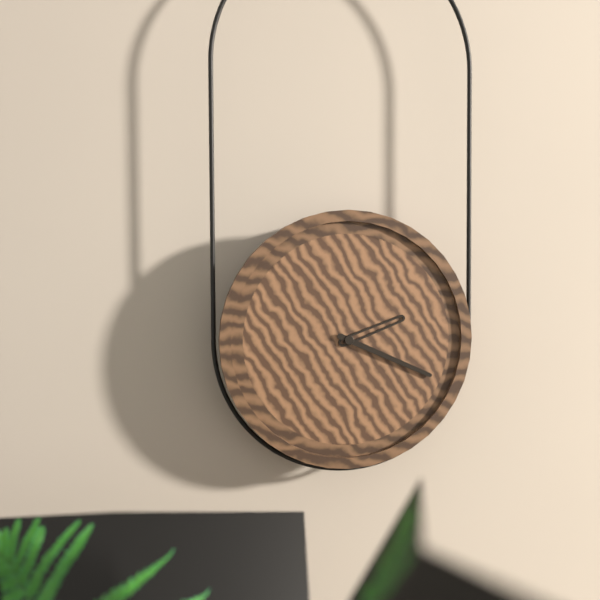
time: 2:19
